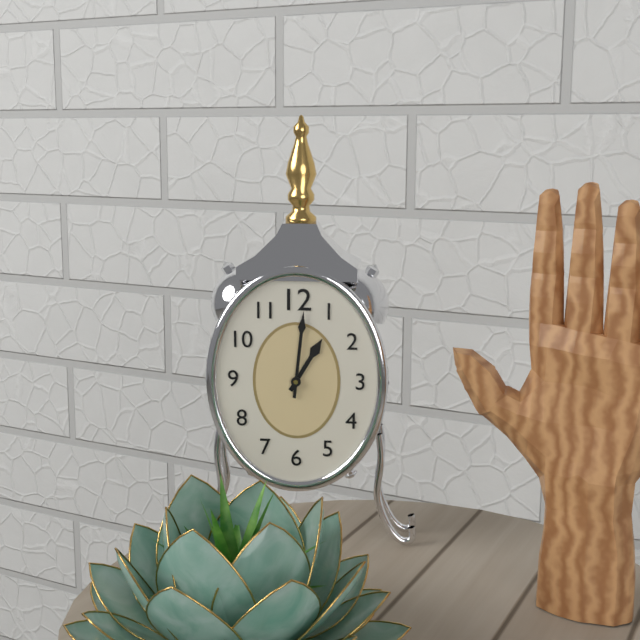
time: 1:01
